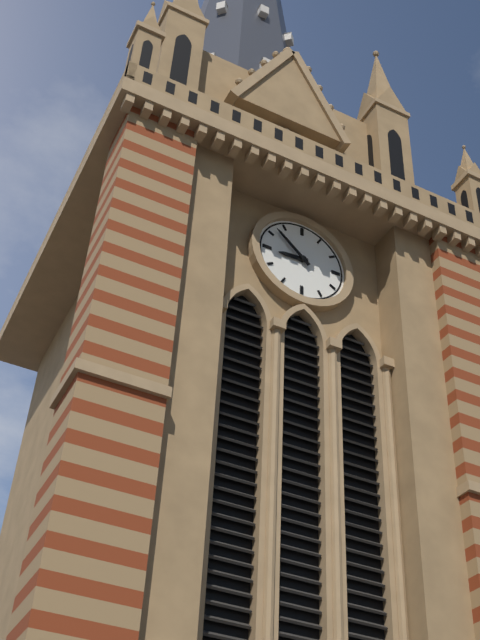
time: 8:52
